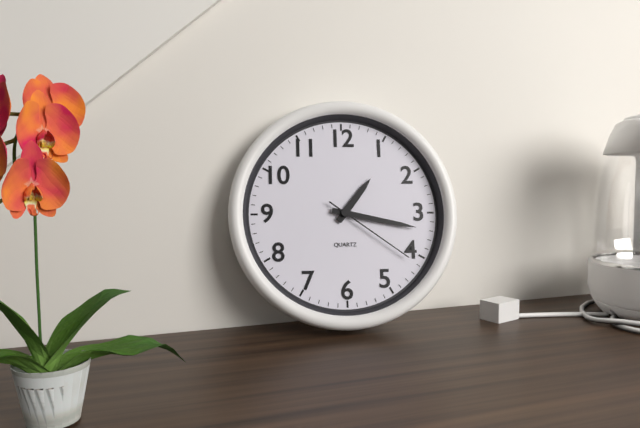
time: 1:17:21
